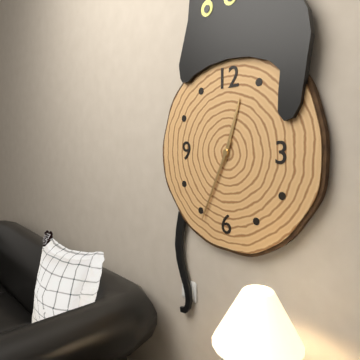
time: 12:34
